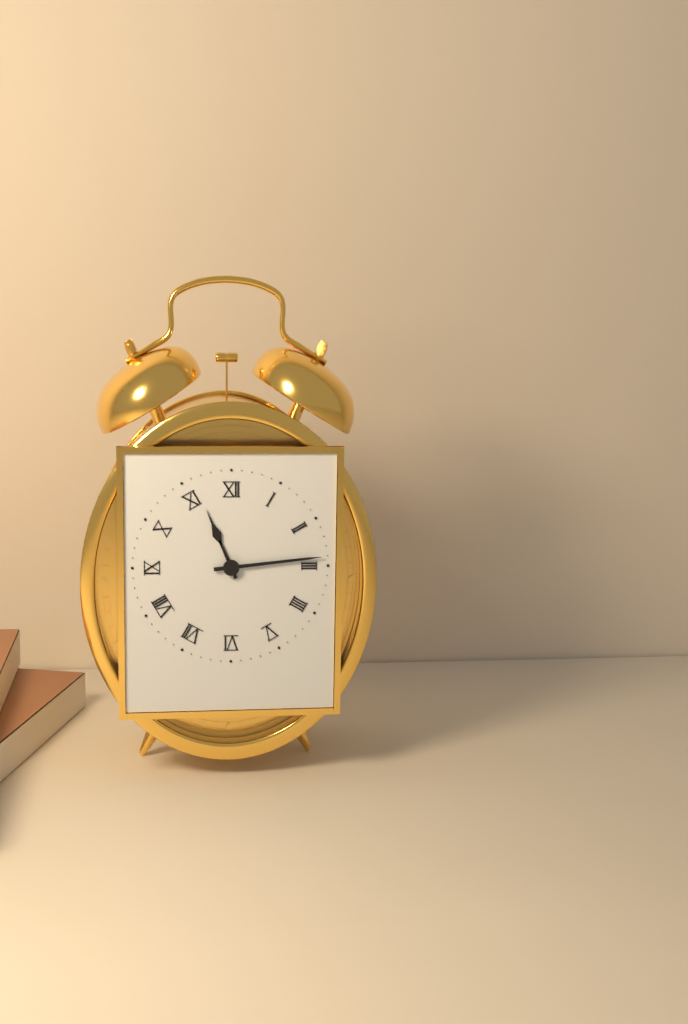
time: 11:14
